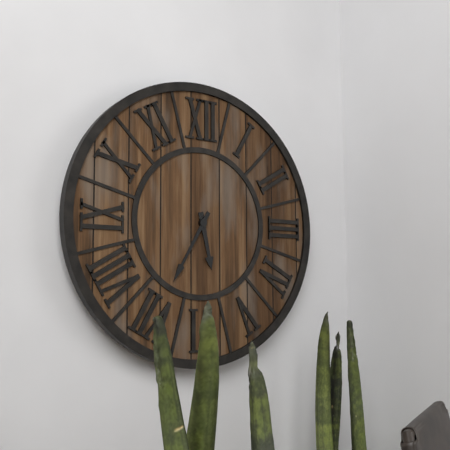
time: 5:35
